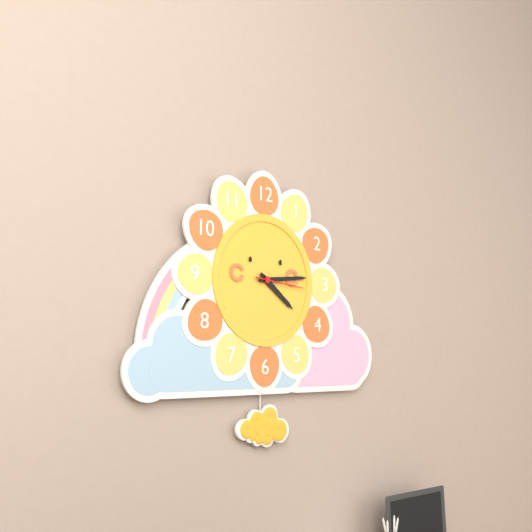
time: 4:14:16
